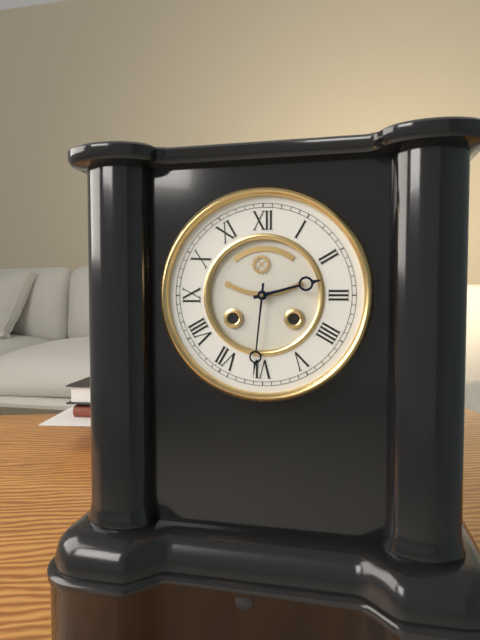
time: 2:31
